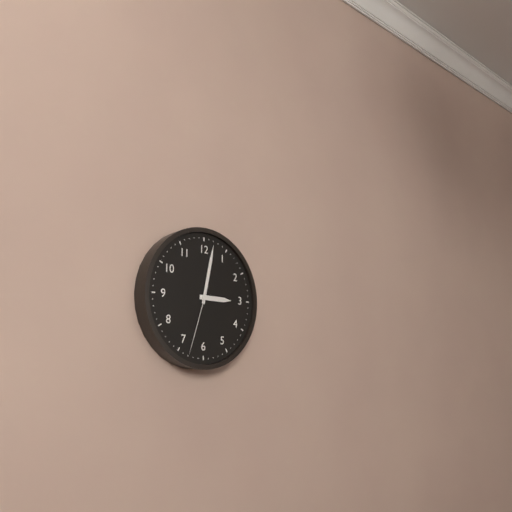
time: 3:02:33
